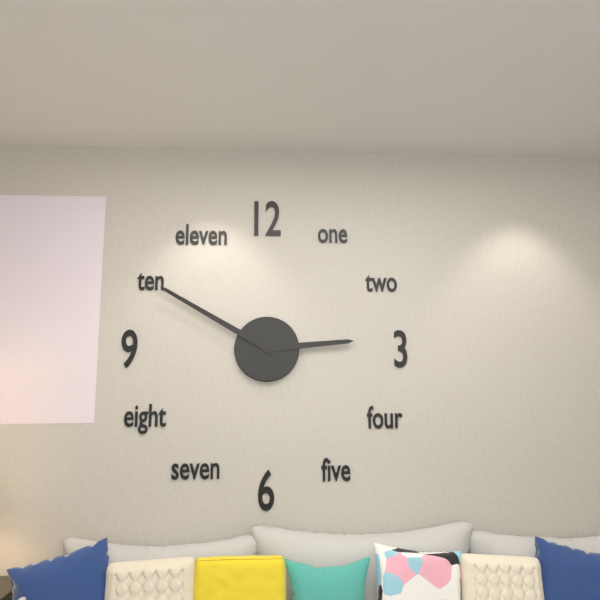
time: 2:50
